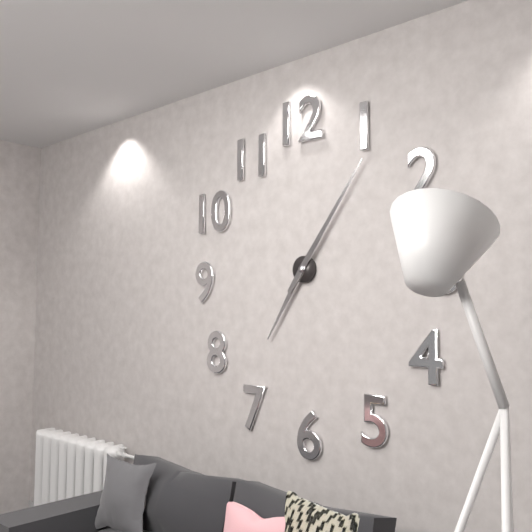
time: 7:06
